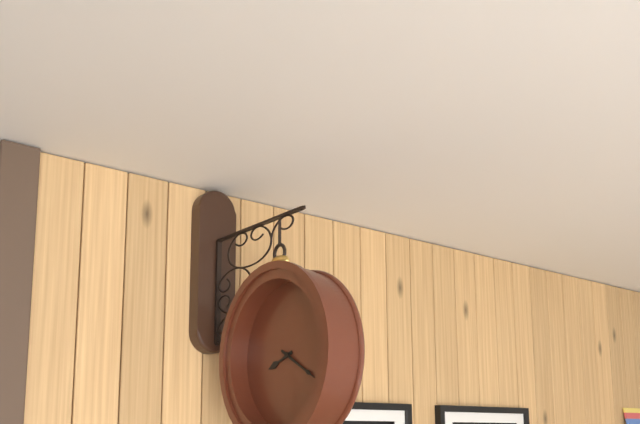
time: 8:20
